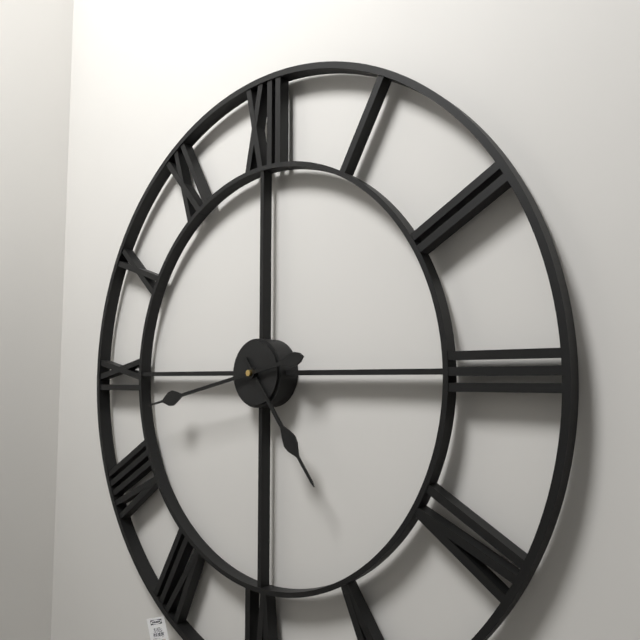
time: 4:43
